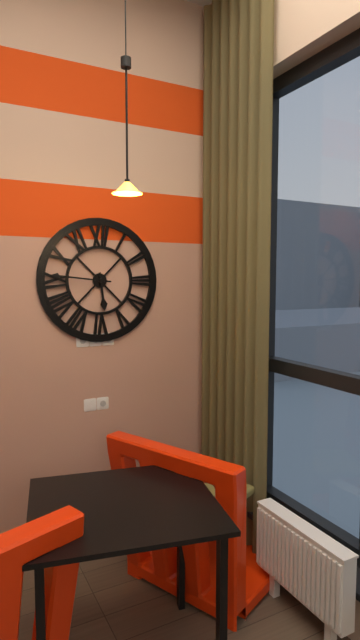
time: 5:46
